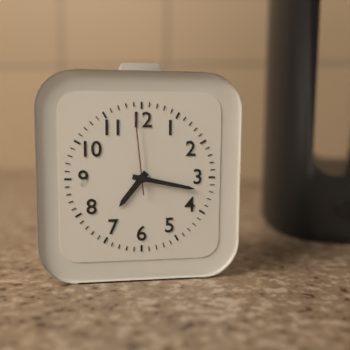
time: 7:17:59
